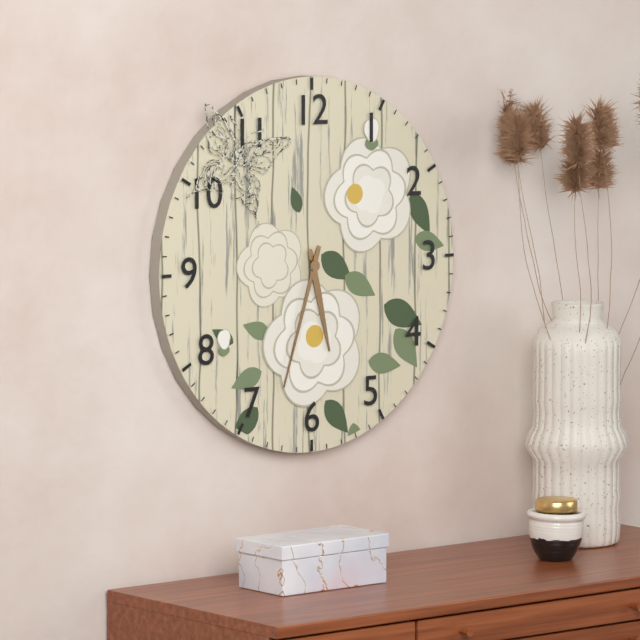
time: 5:33
